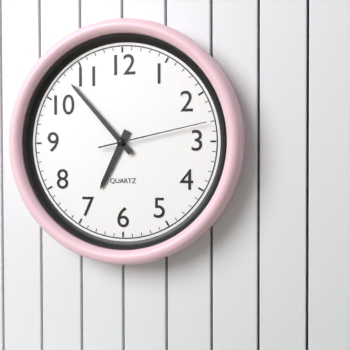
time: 6:53:13
